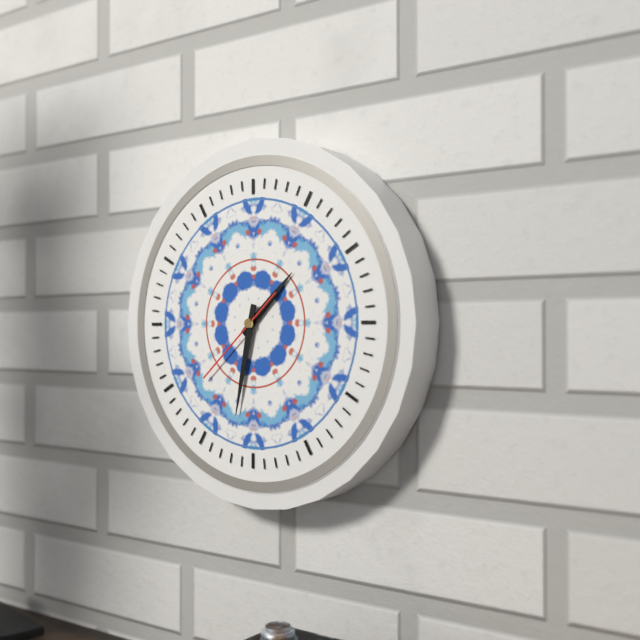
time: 1:32:38
